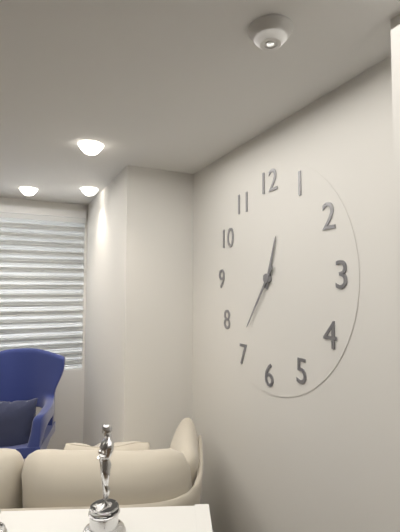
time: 12:36
